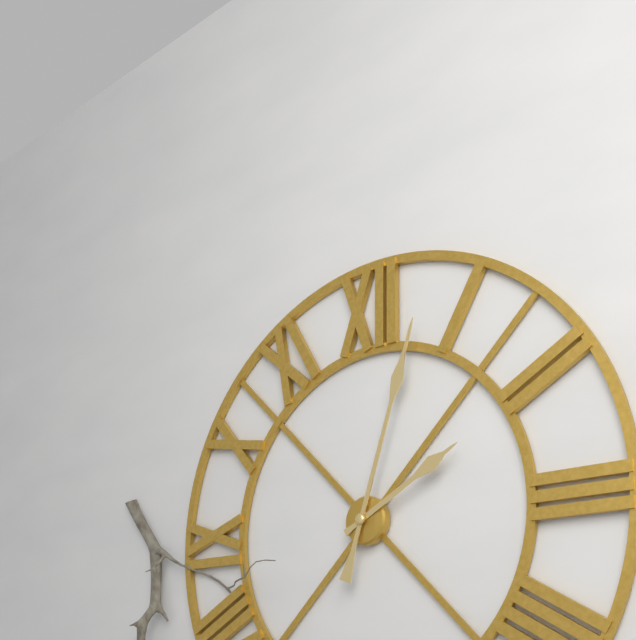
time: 2:03
